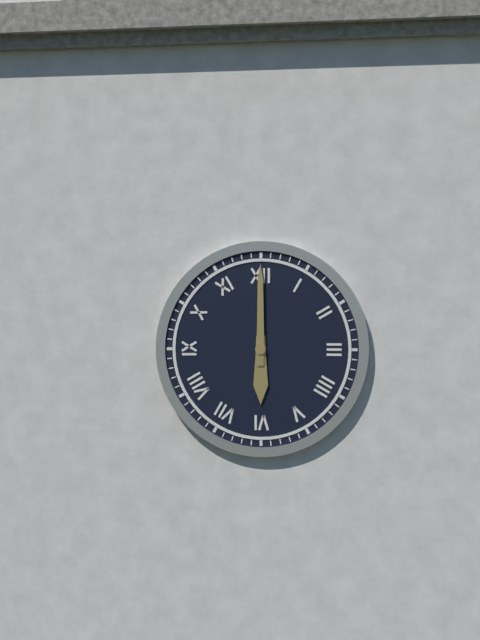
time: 6:00
